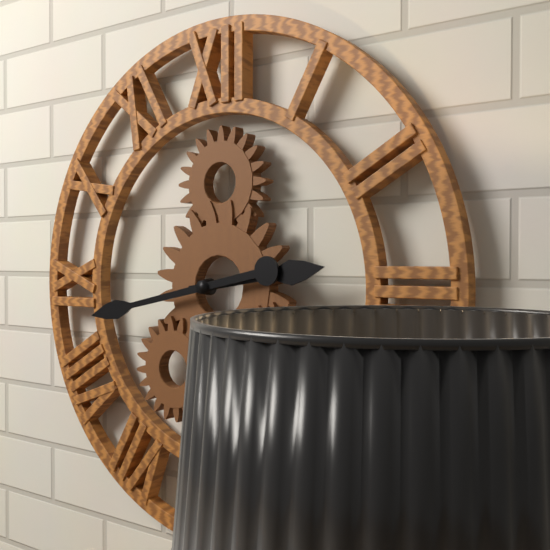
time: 2:43
